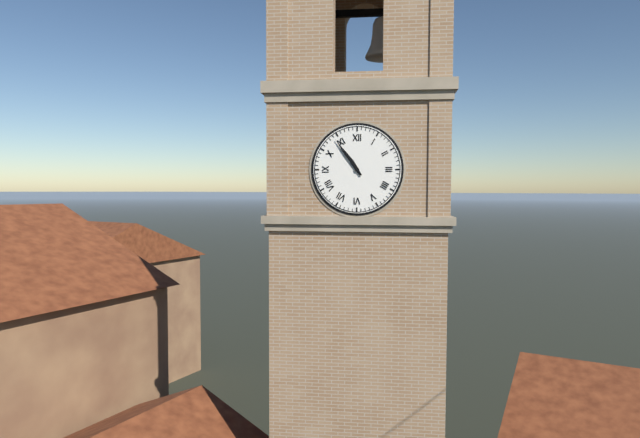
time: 10:54
